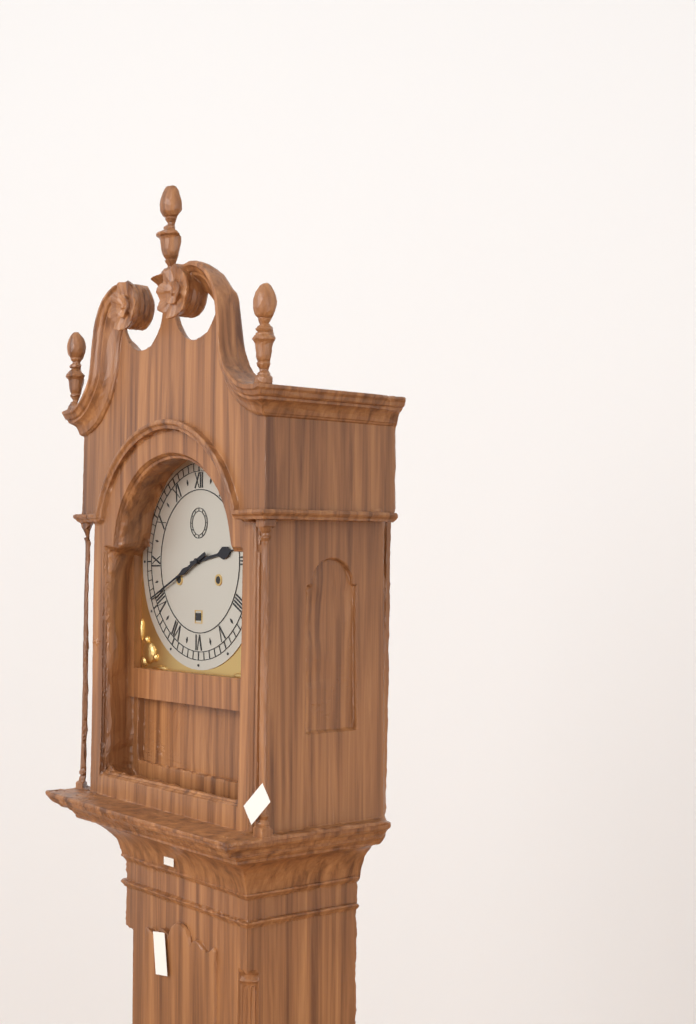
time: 2:41
